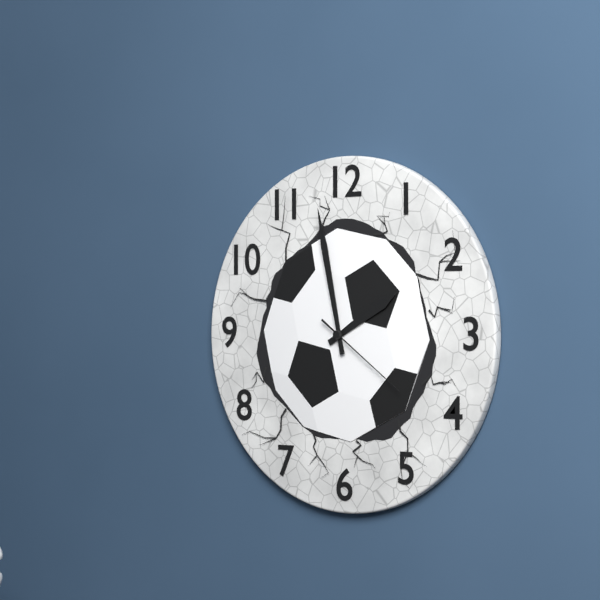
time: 1:58:21
